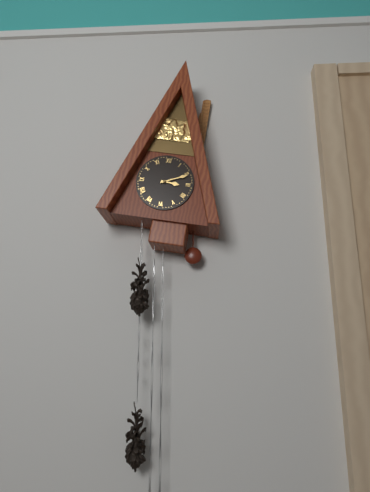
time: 3:11
